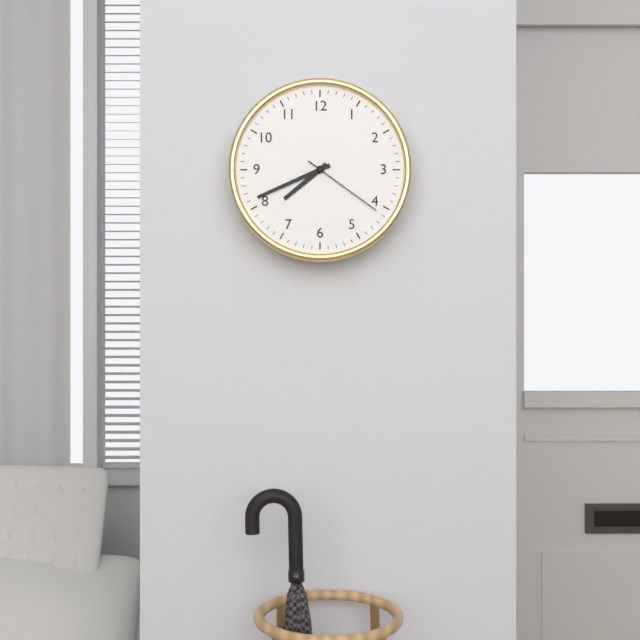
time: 7:41:21
